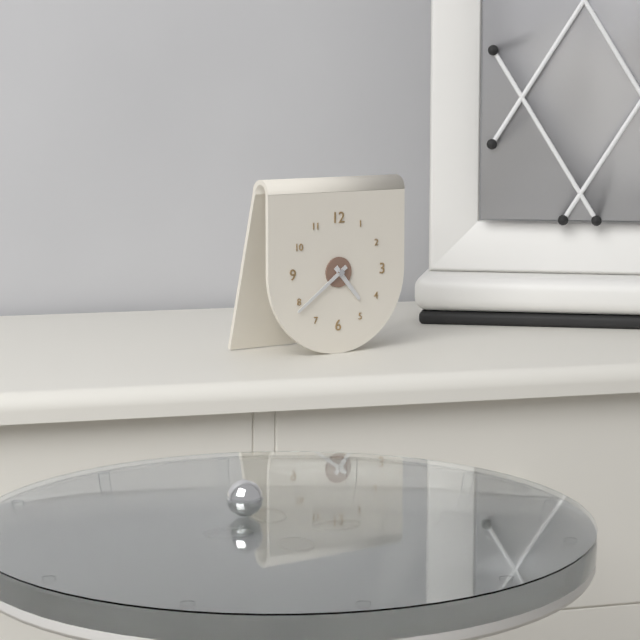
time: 4:39
